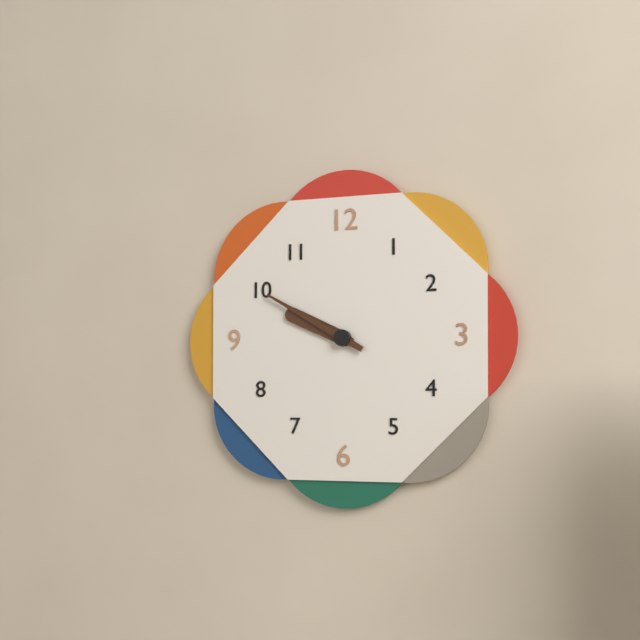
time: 9:50
